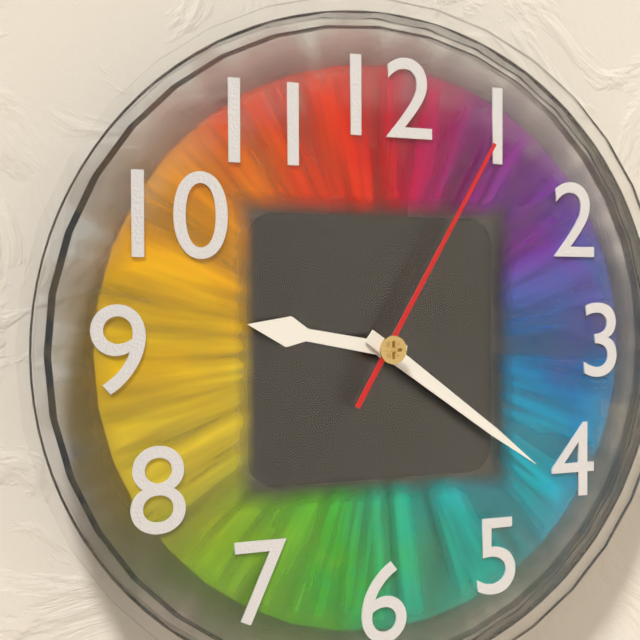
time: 9:21:05
